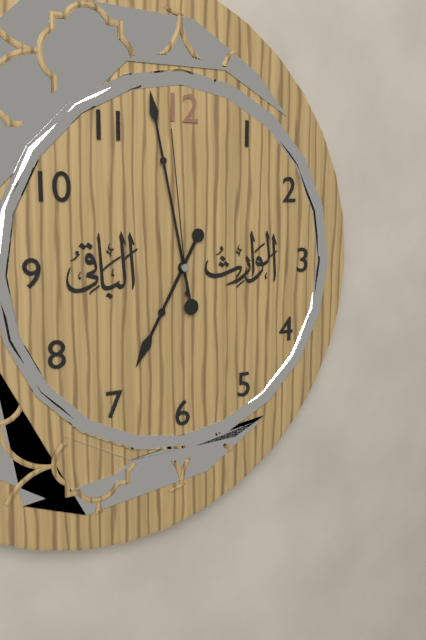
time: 6:58:59
